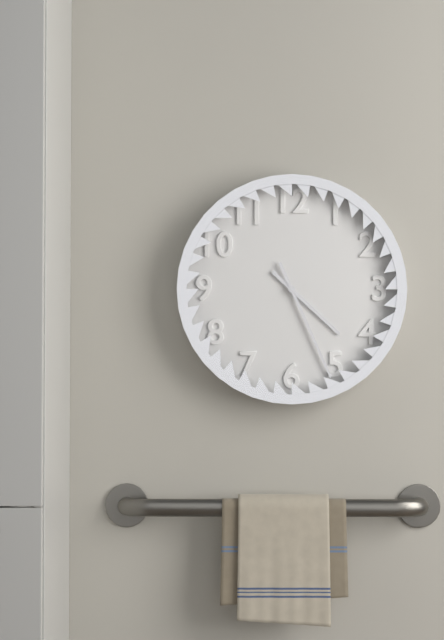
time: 4:26
